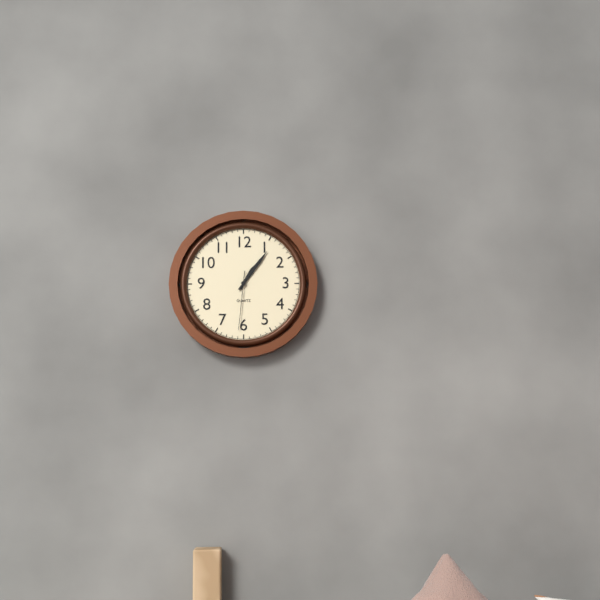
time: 1:06:31
